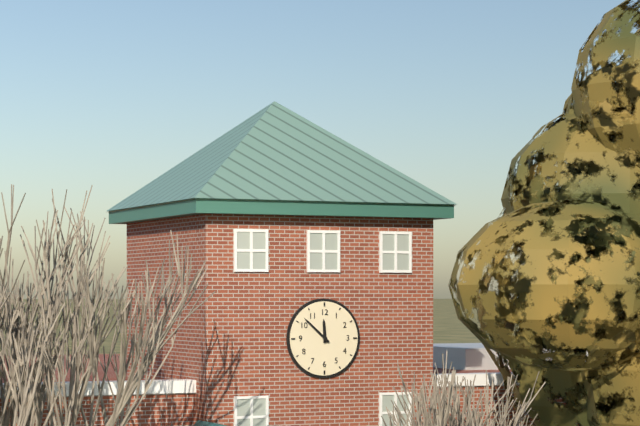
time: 11:52
